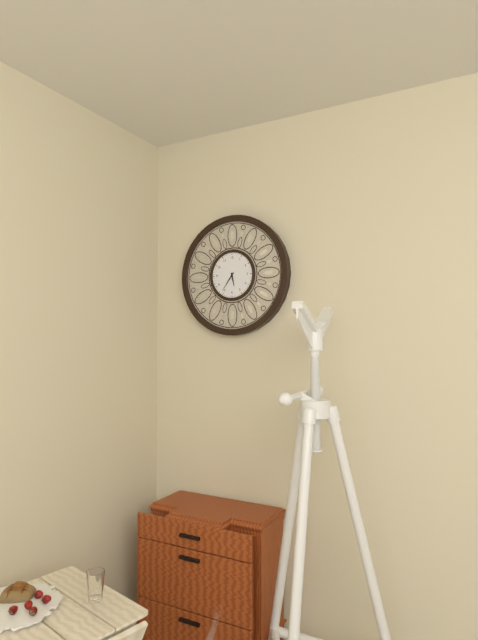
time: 5:36
